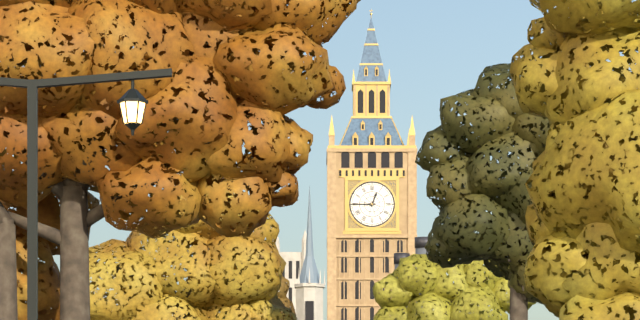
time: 12:45
